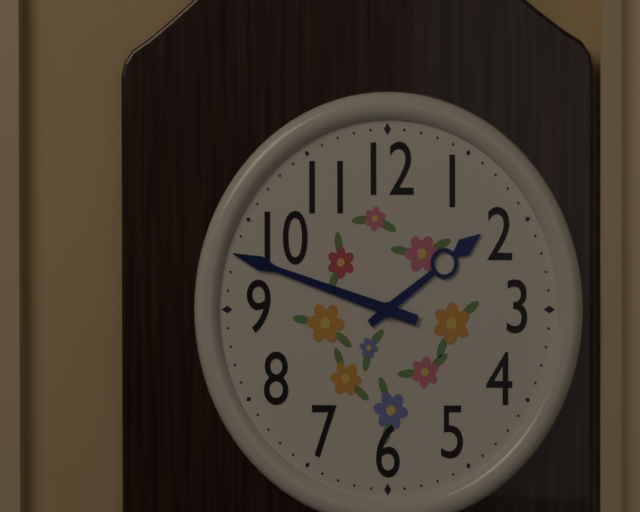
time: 1:48
